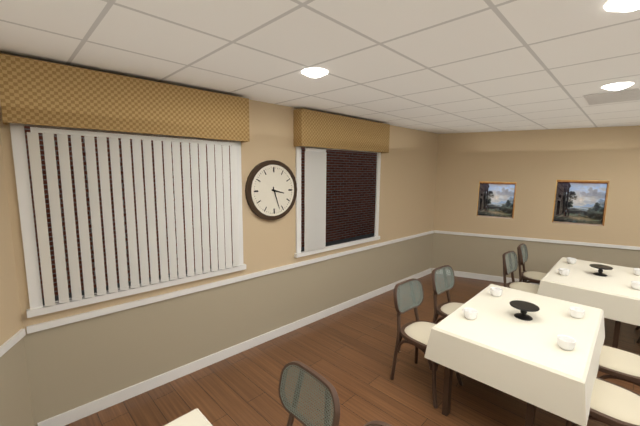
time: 3:27
